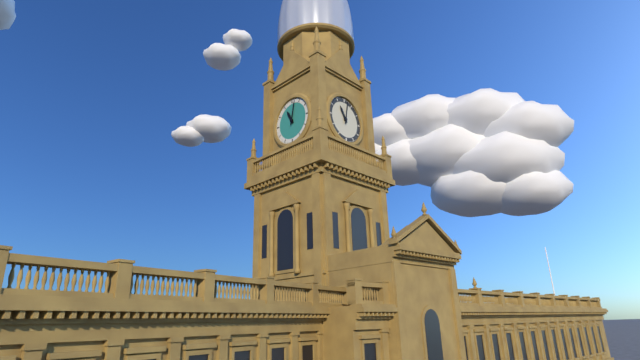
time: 11:02
